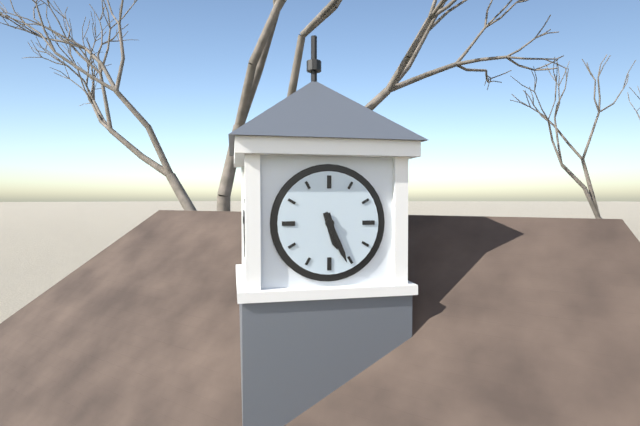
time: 5:26
